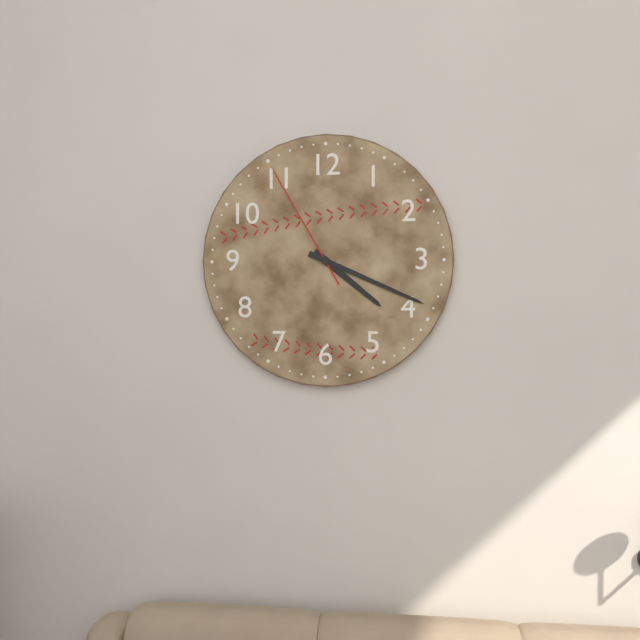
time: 4:19:55
